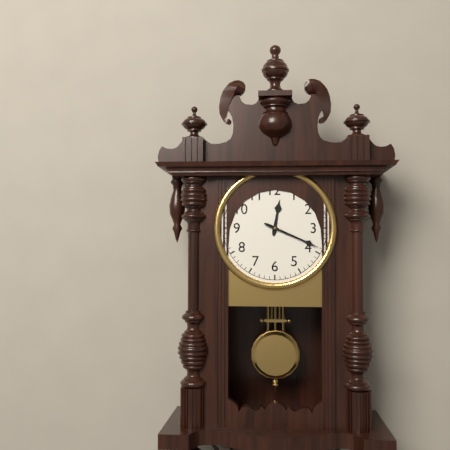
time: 12:19
